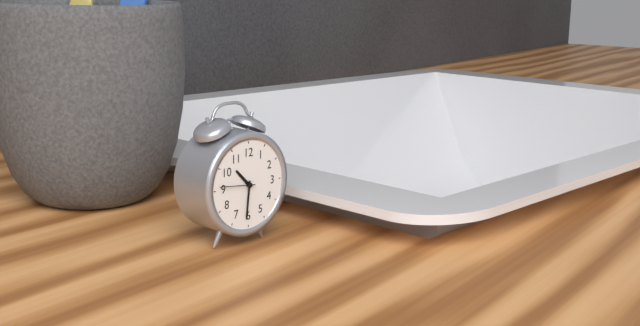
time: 10:31
